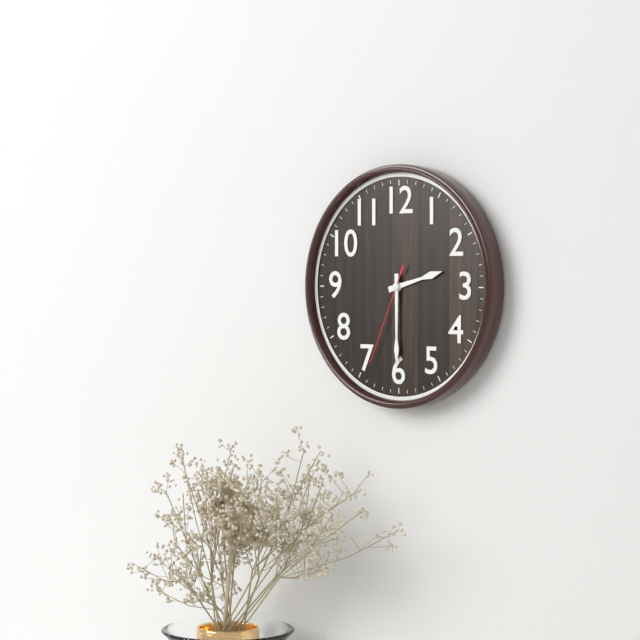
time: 2:30:34
